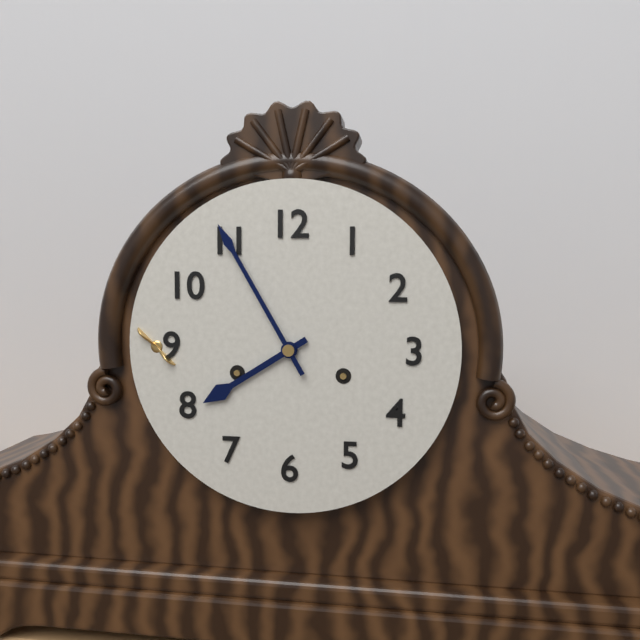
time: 7:55
